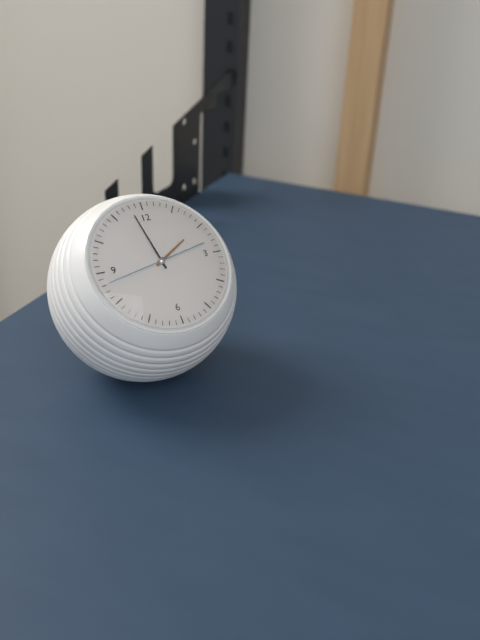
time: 1:58:43
